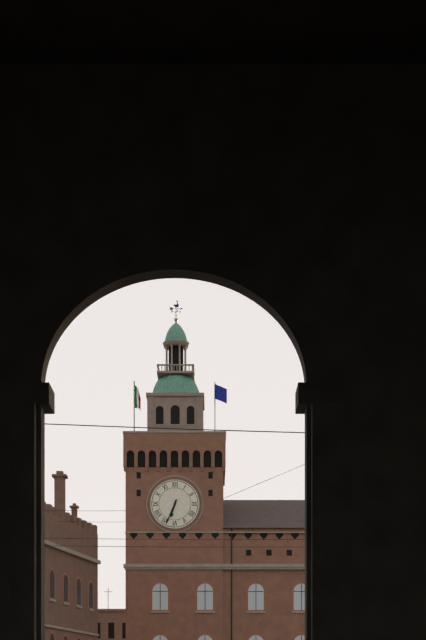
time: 6:34
